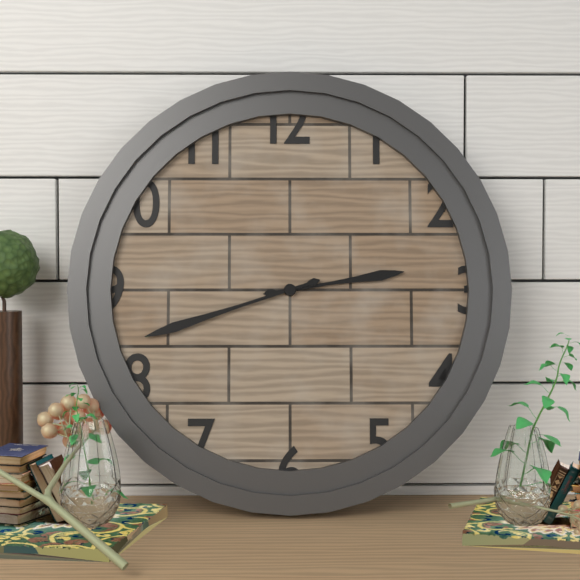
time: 2:42
